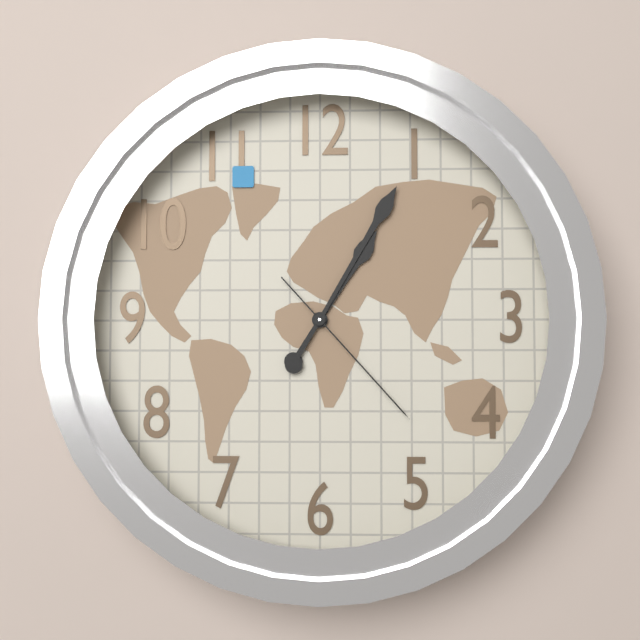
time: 1:05:23
